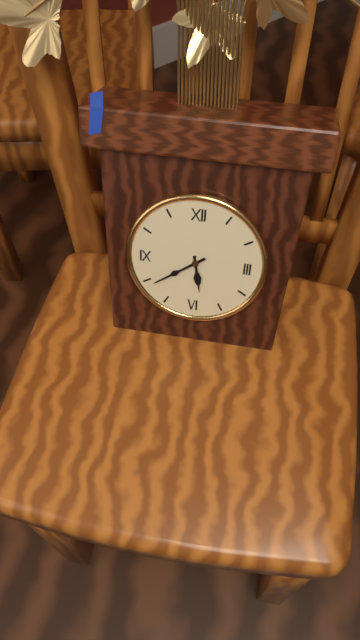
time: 5:39
